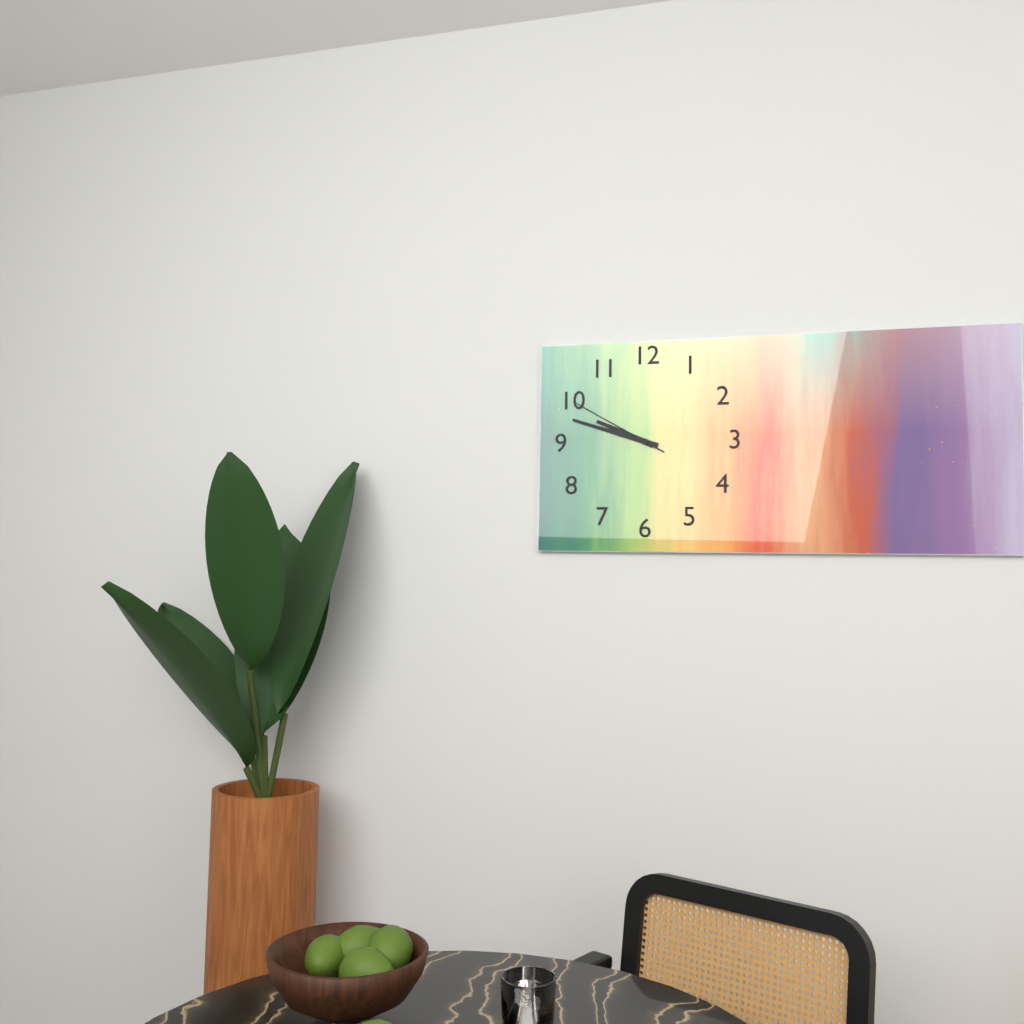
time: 9:48:50
